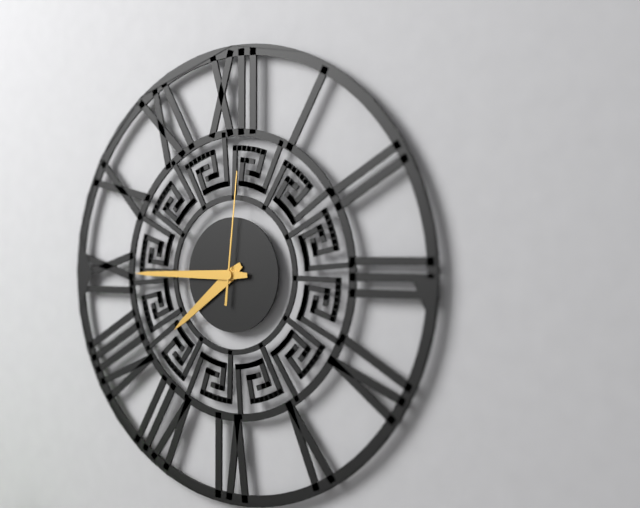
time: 7:45:01
